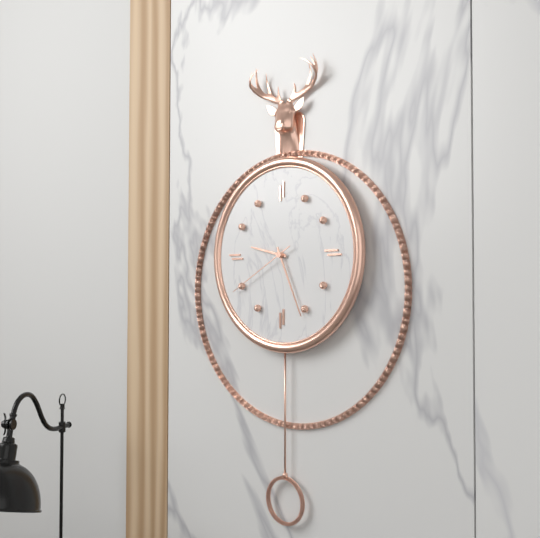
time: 9:26:40
